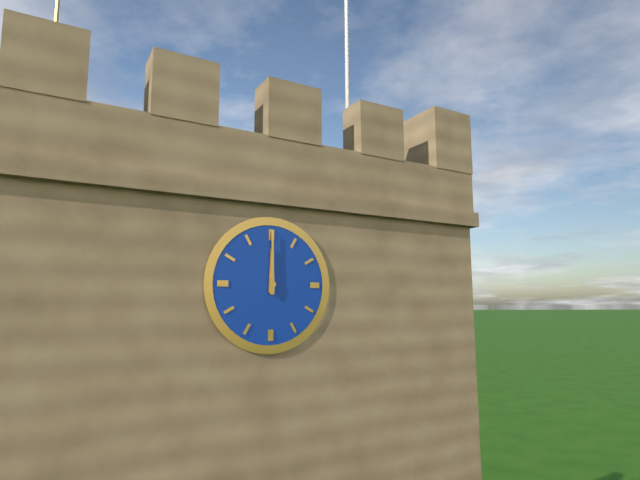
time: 12:00
